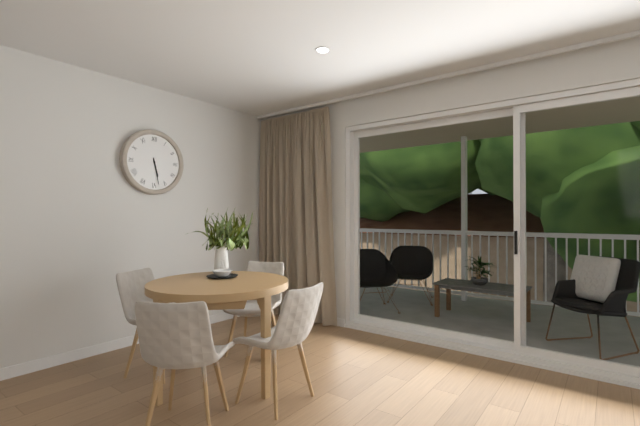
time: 5:28
